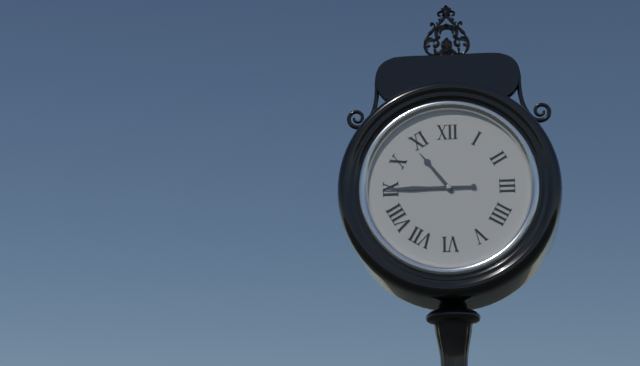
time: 10:45
